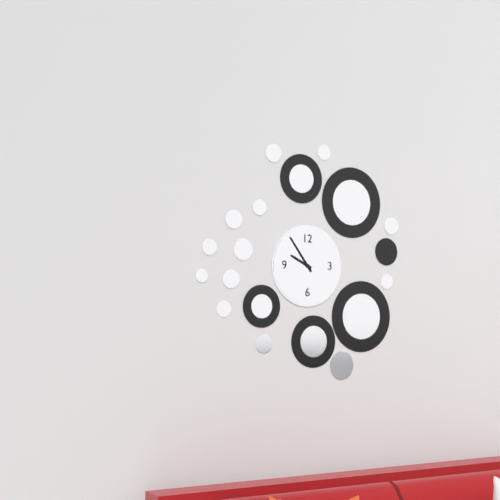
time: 9:54
